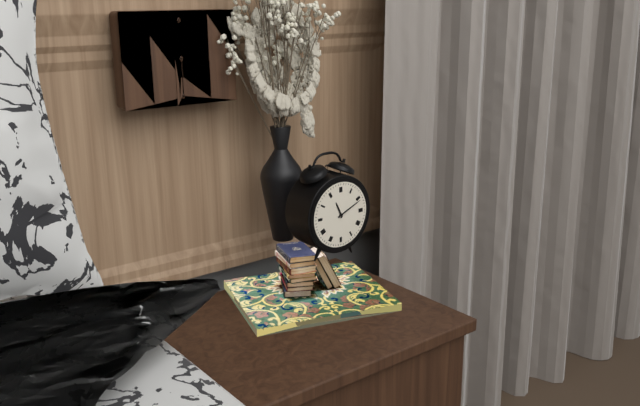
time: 11:11
